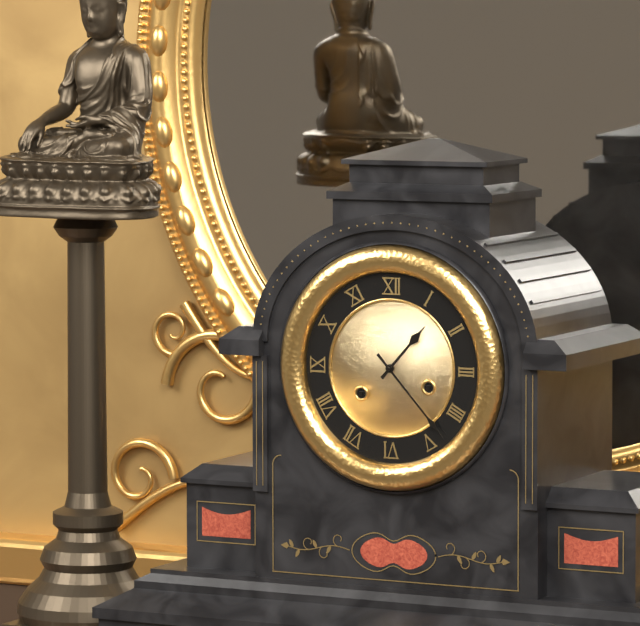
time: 1:23
